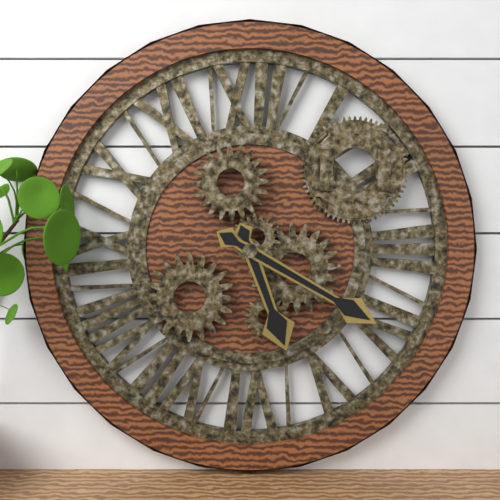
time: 5:20
